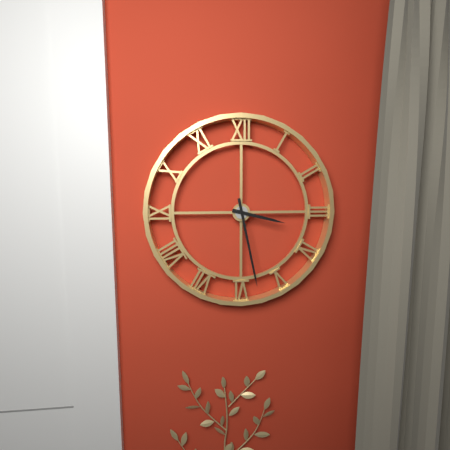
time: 3:28
